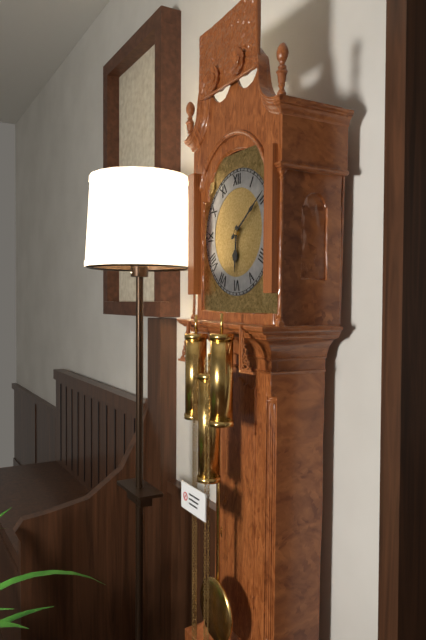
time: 6:09
